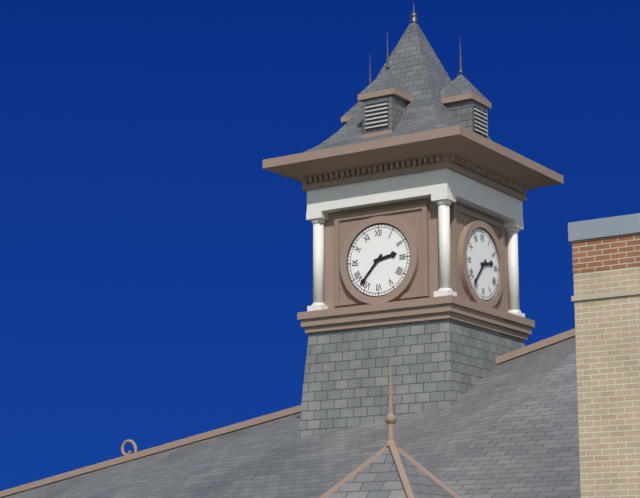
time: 2:37
